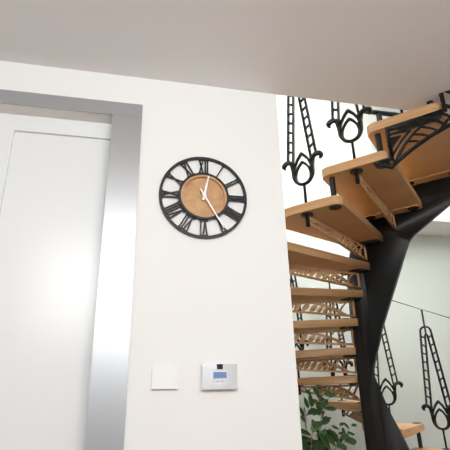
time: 12:25
